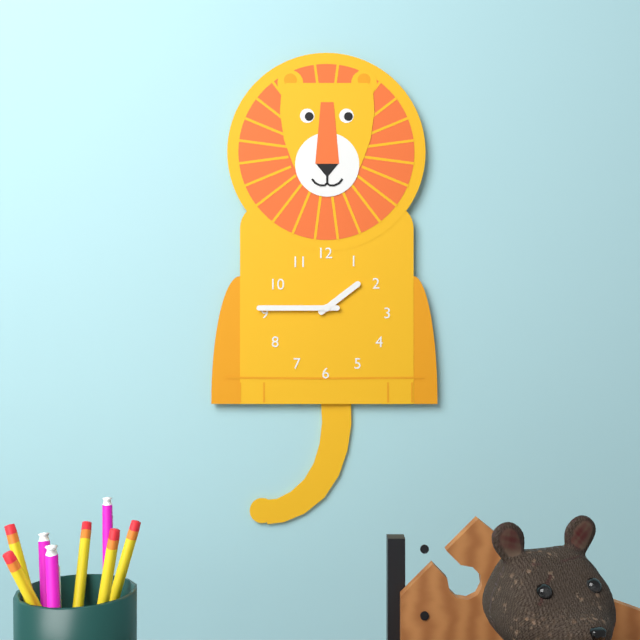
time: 1:45
